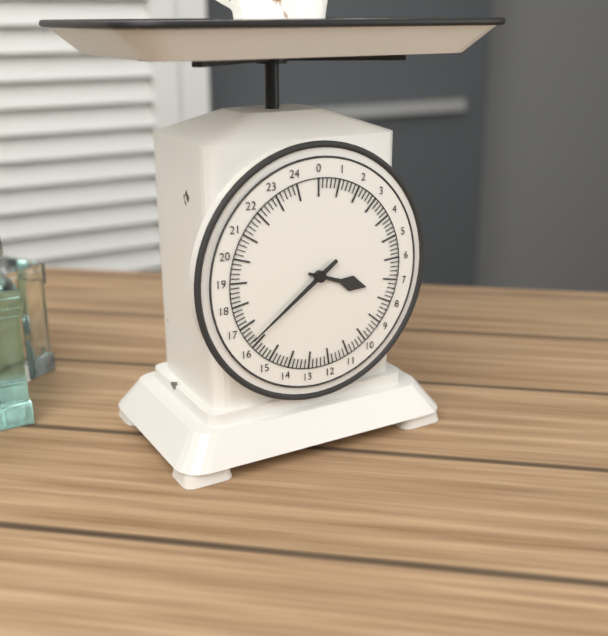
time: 3:39
